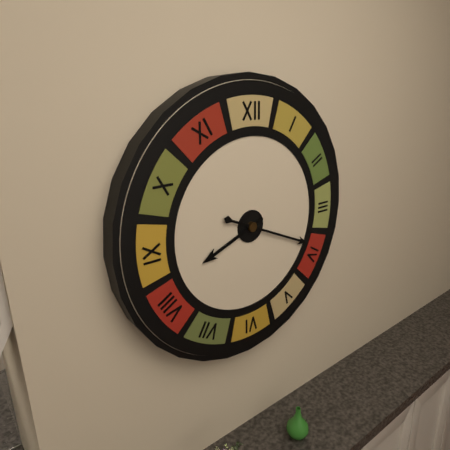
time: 8:19
